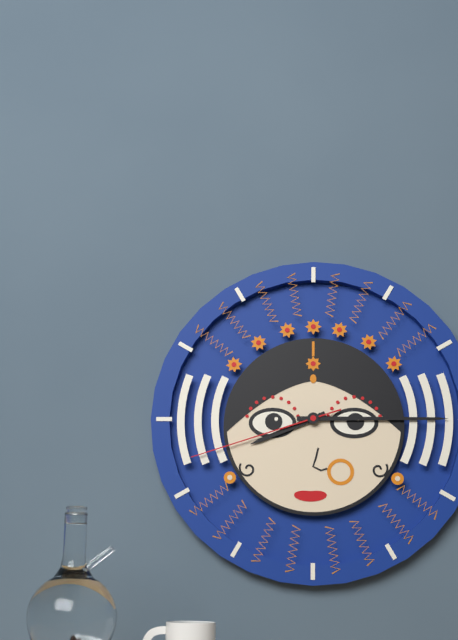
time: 8:15:42
